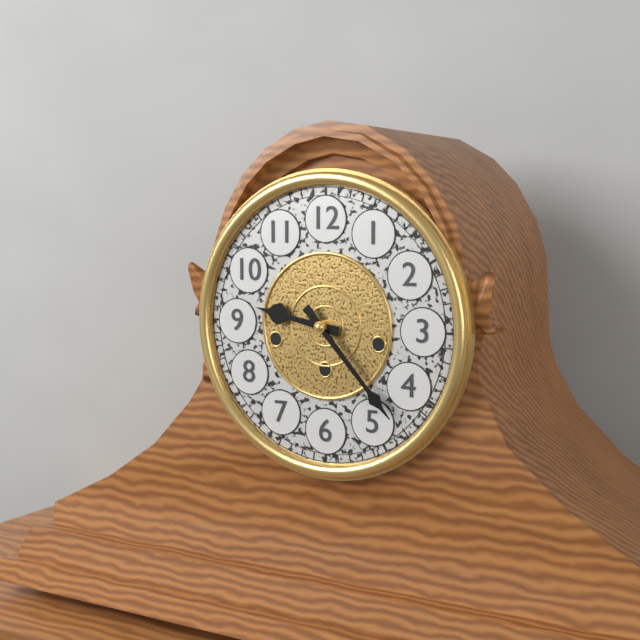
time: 9:23
